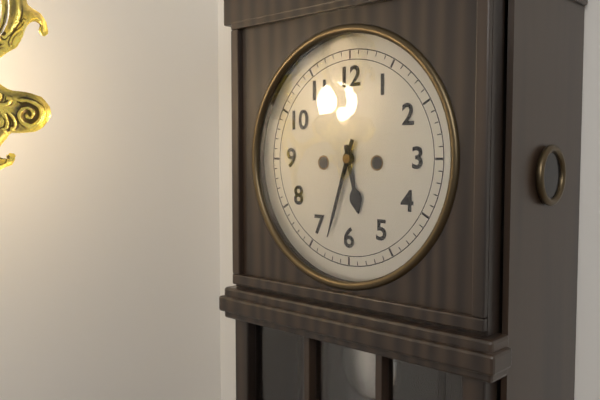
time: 5:33
